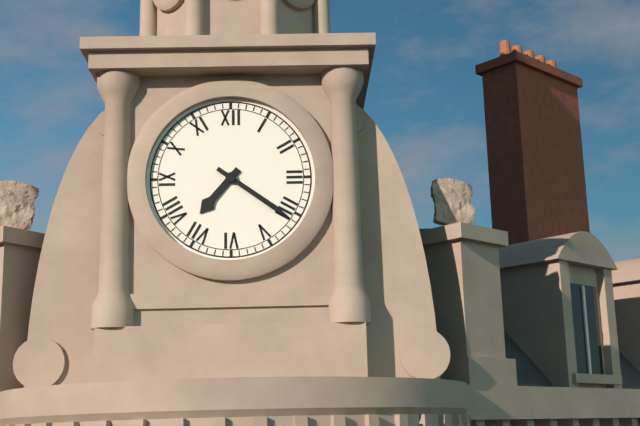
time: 7:21
